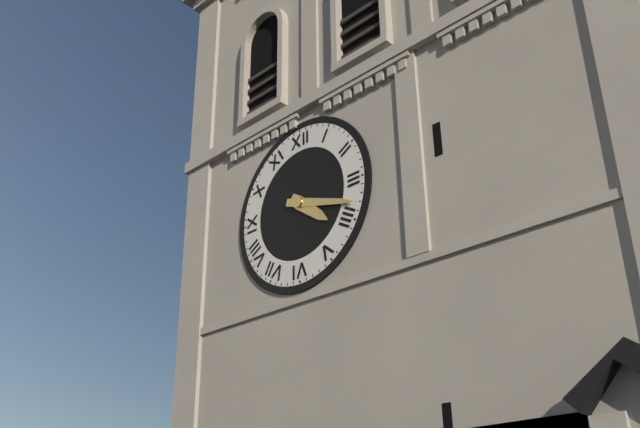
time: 4:18
